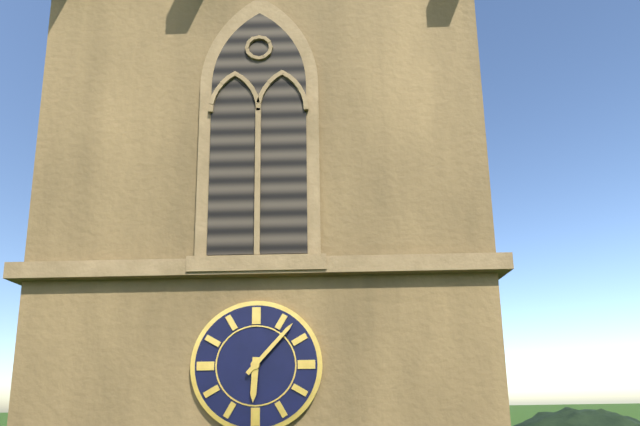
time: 6:07
